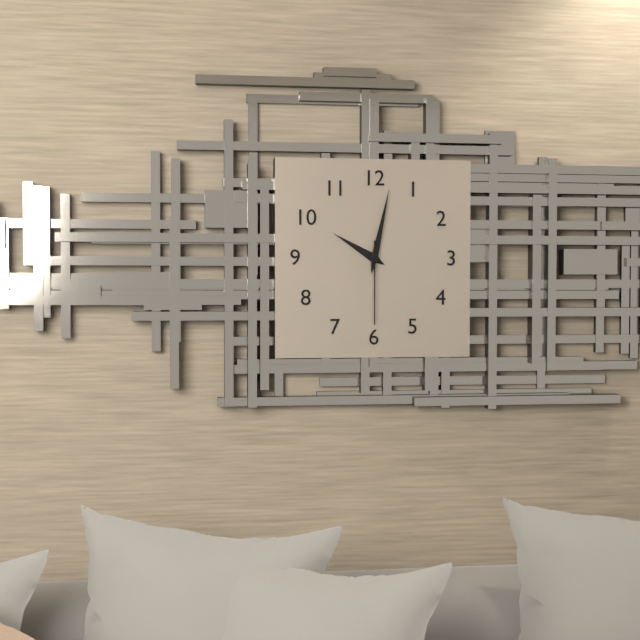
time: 10:02:30
